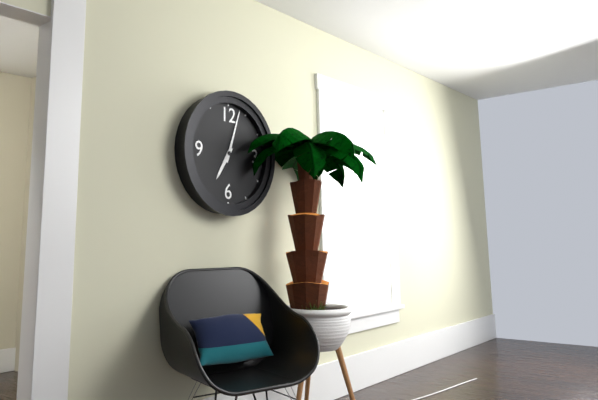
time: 7:03
